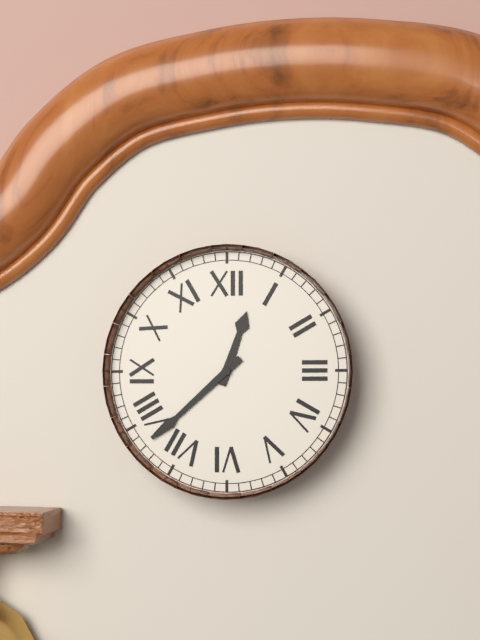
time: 12:38
